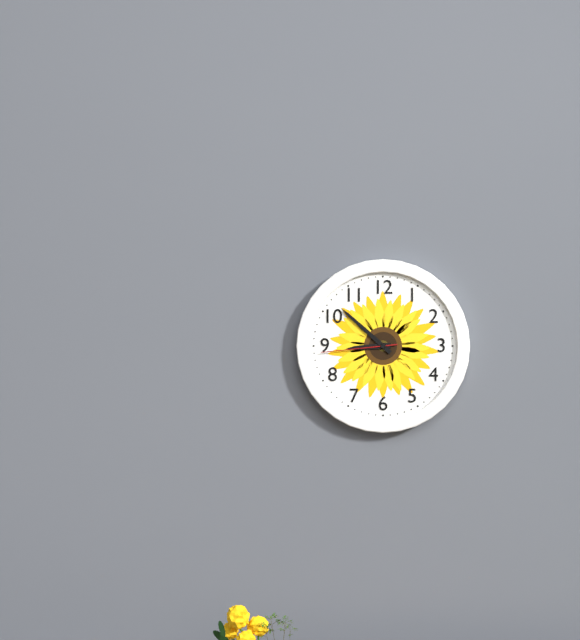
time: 8:52:44
